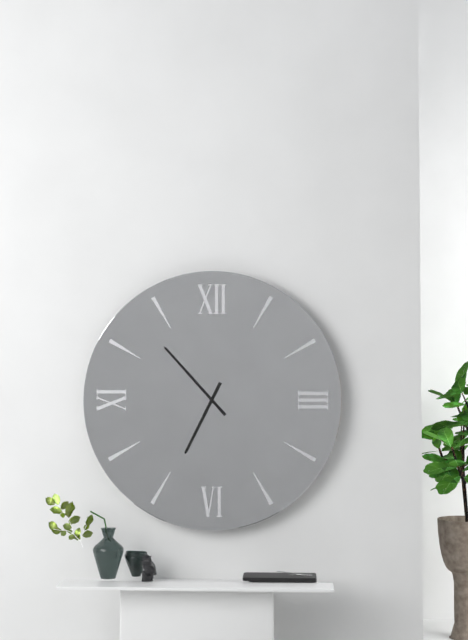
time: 6:53
